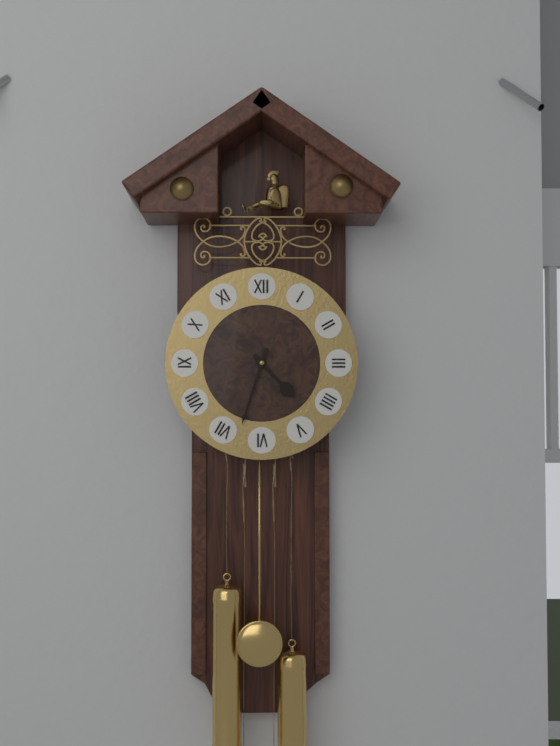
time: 4:33
